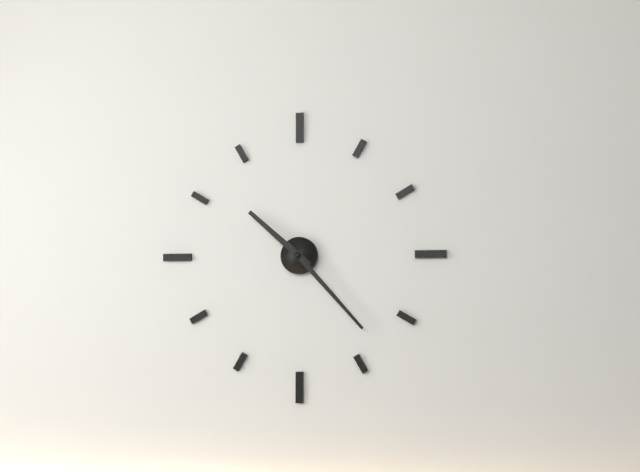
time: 10:23
